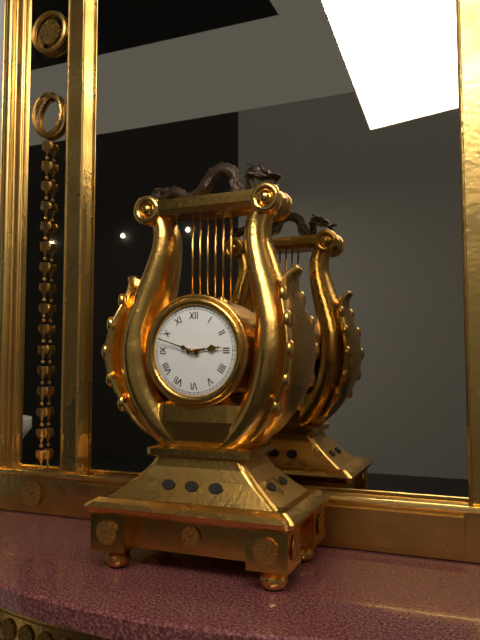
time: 2:48
